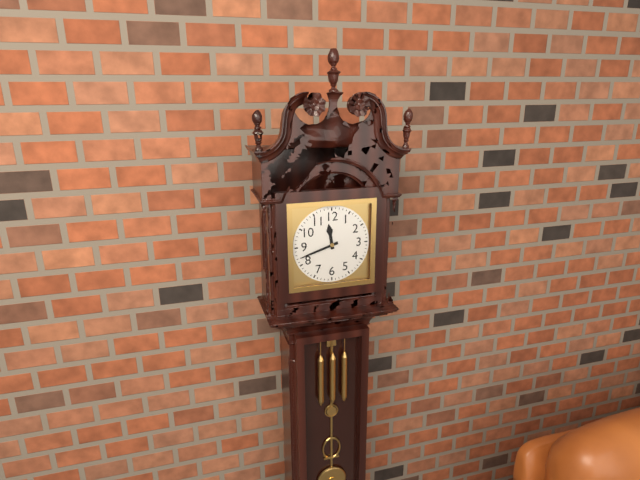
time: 11:42
